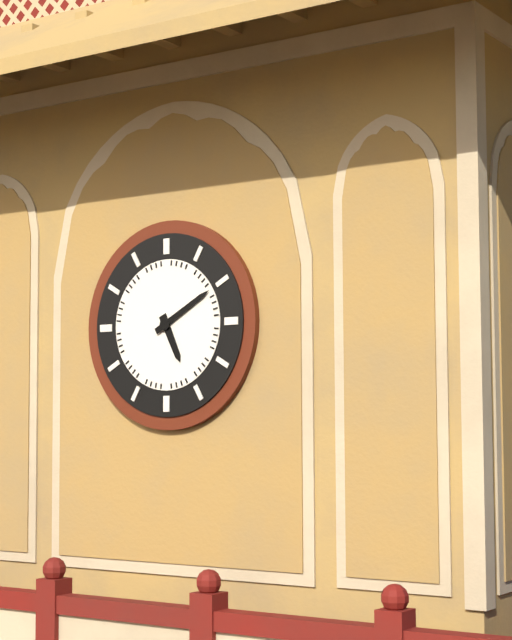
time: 5:10
